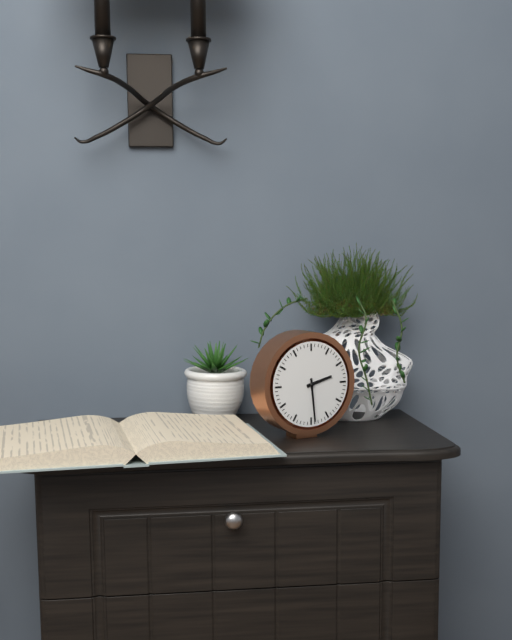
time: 2:29
